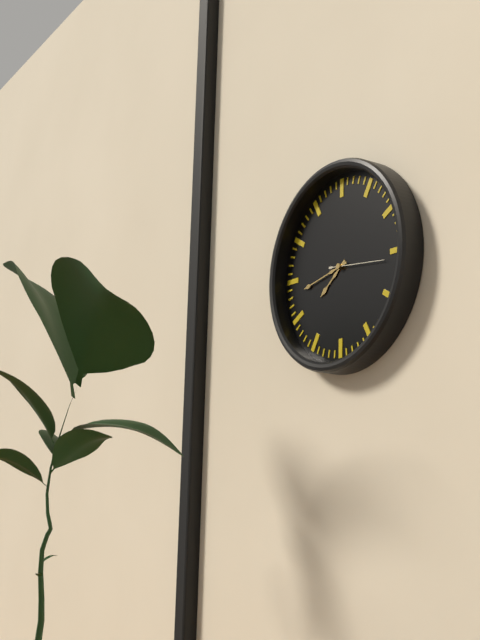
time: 7:43
